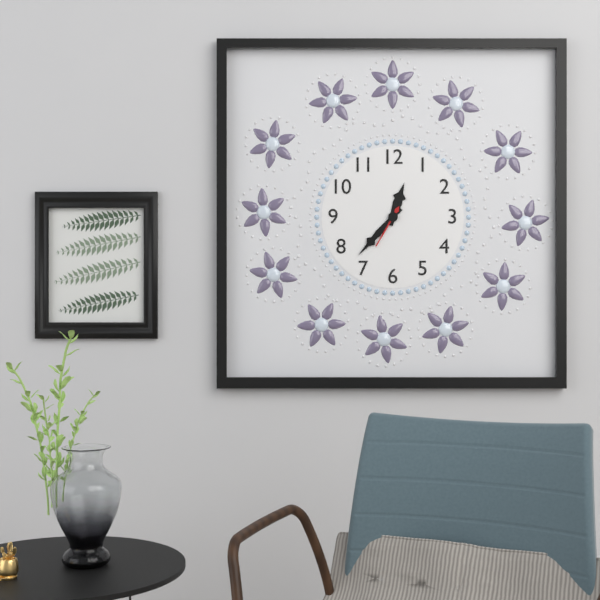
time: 12:37
